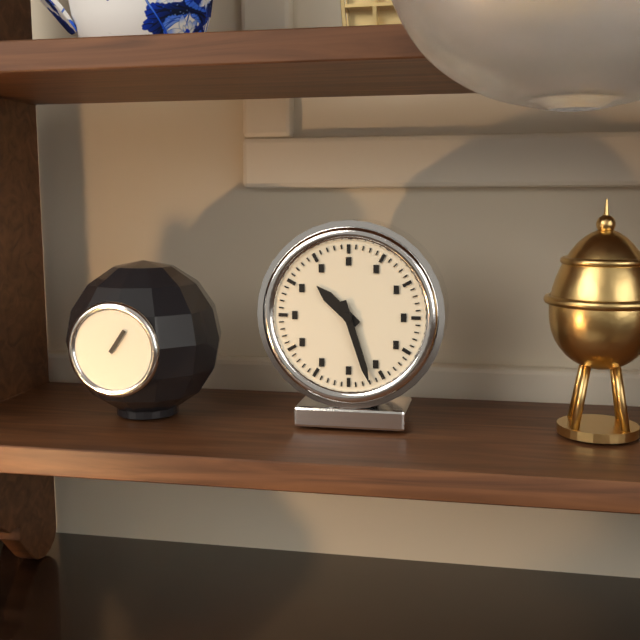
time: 10:27
